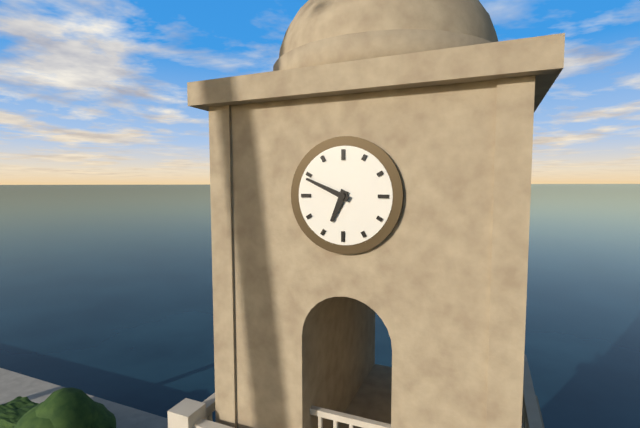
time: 6:49
